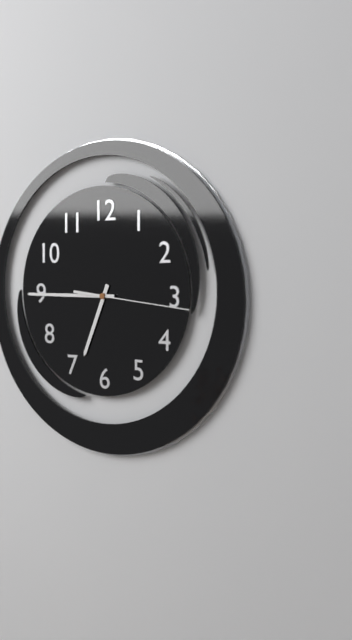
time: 6:45:16
